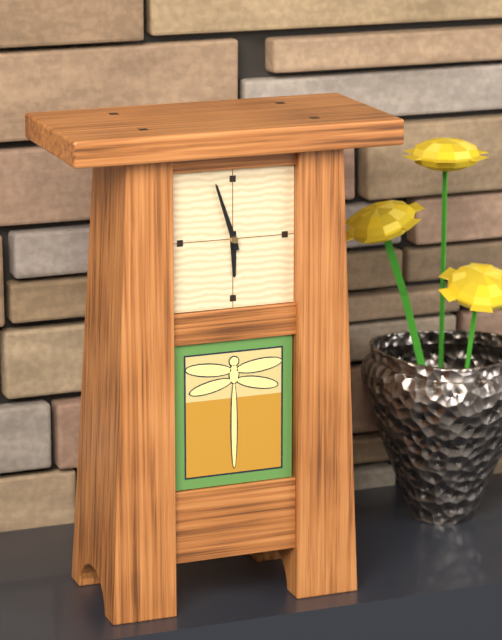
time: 5:57
